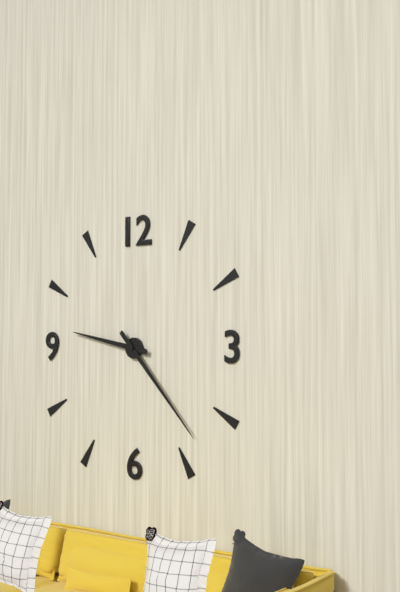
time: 9:23
